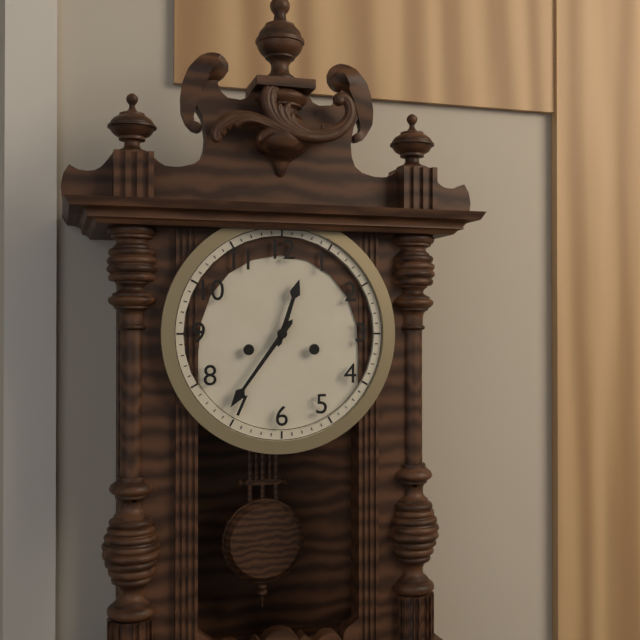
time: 12:36
